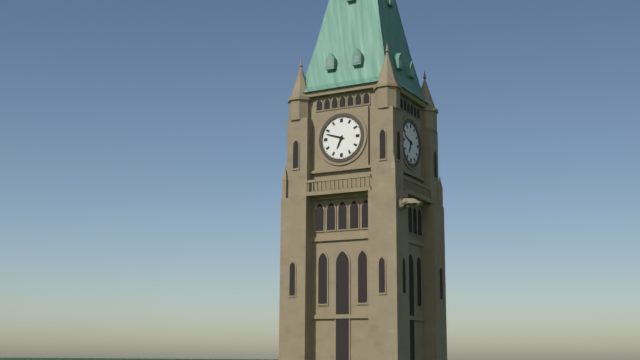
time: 6:48
